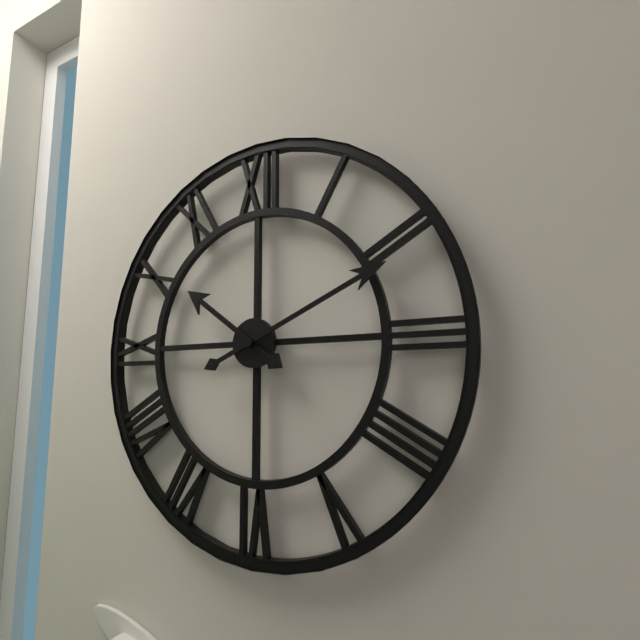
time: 10:11
